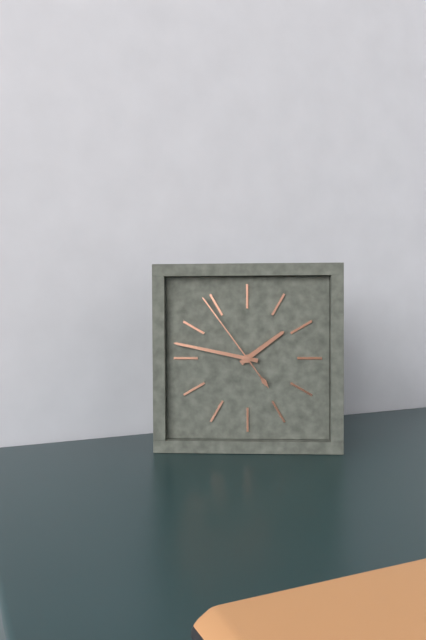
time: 1:47:54
